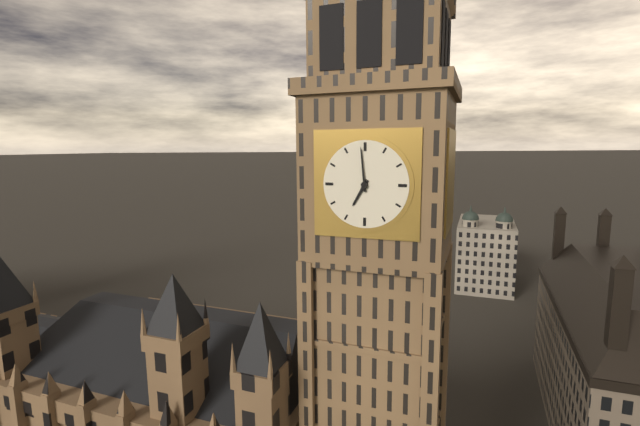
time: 6:59
